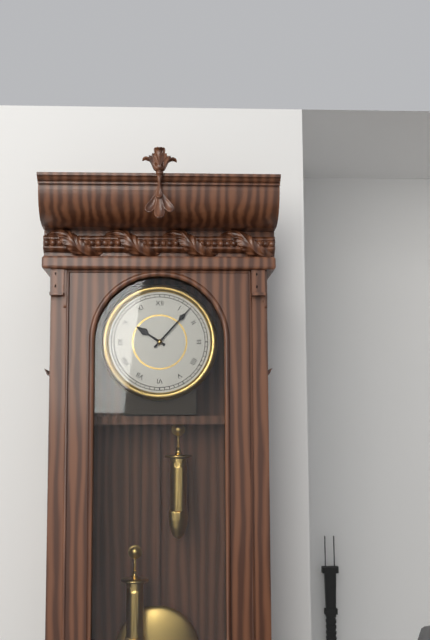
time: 10:07
